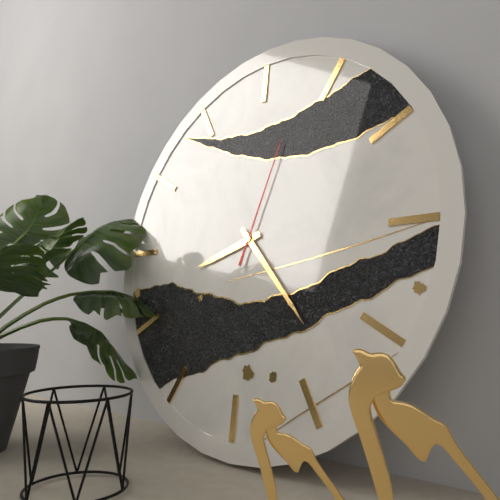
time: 8:23:03
